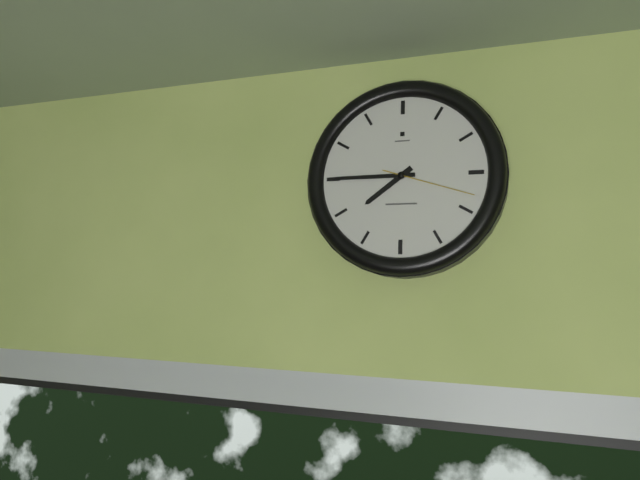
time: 7:45:18
